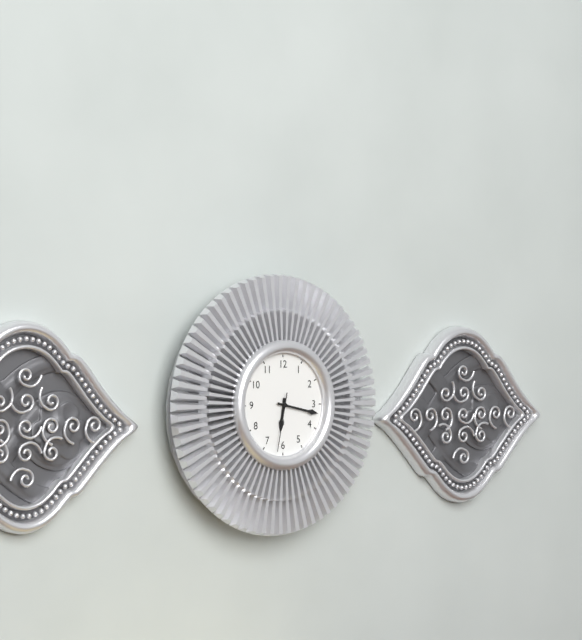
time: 6:17:32
